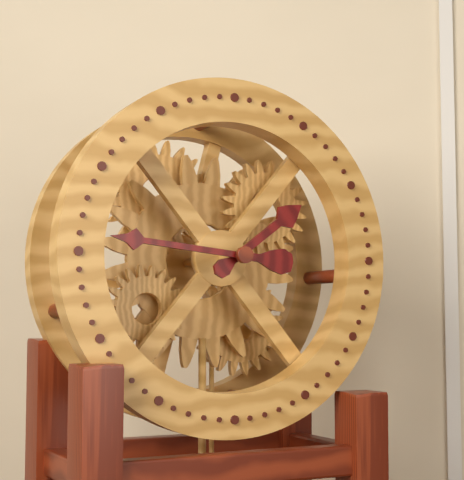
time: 1:46
